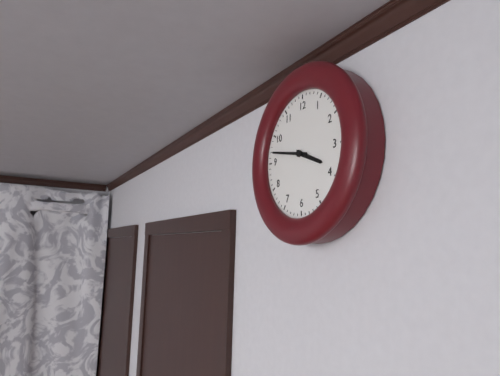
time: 3:47
